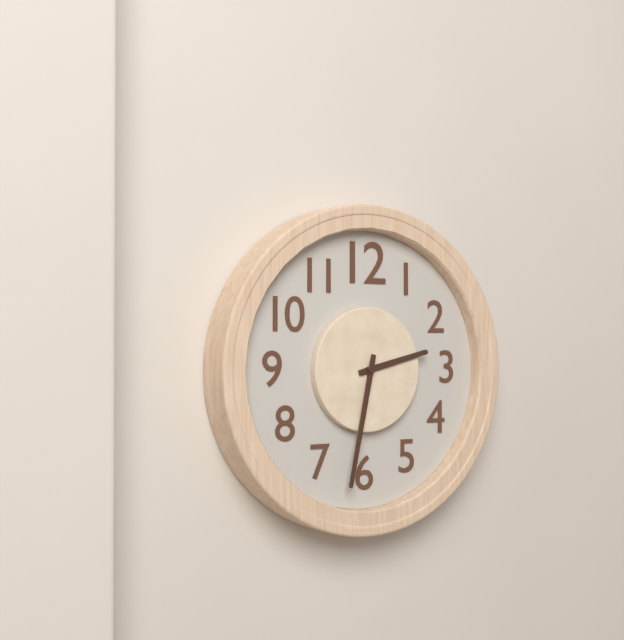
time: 2:32
